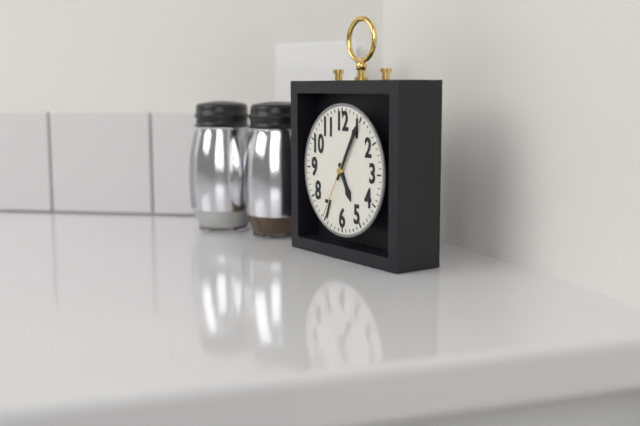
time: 5:05:35
